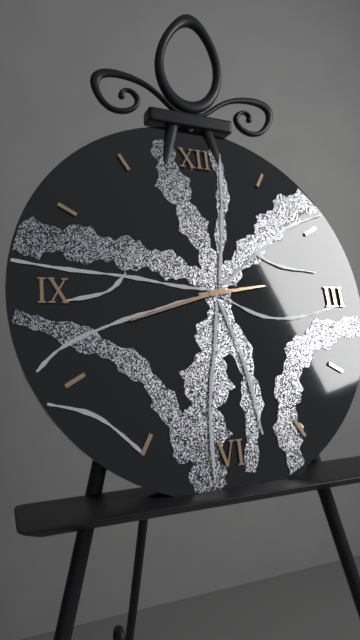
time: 2:42
